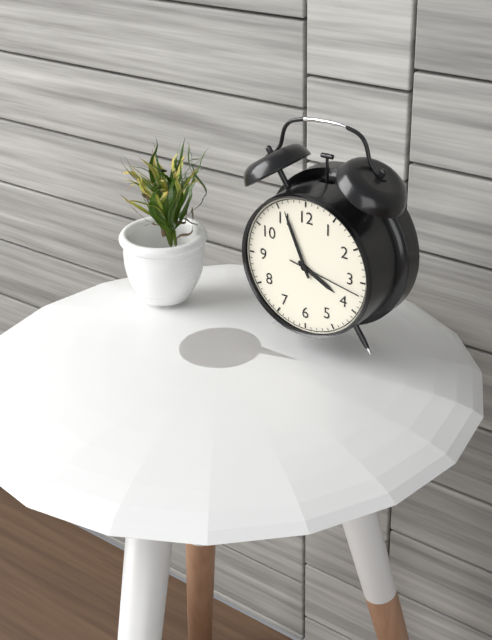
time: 3:56:17
